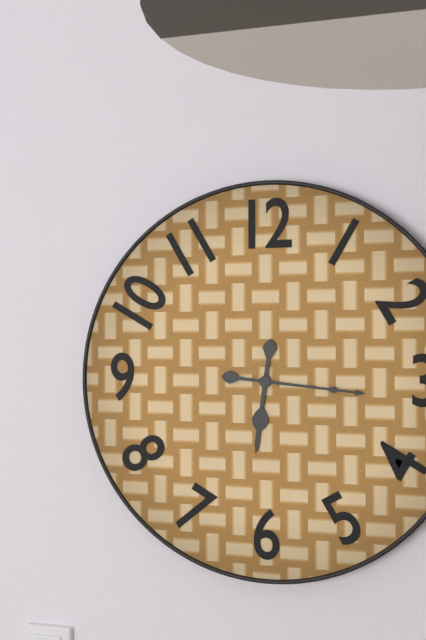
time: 6:16
